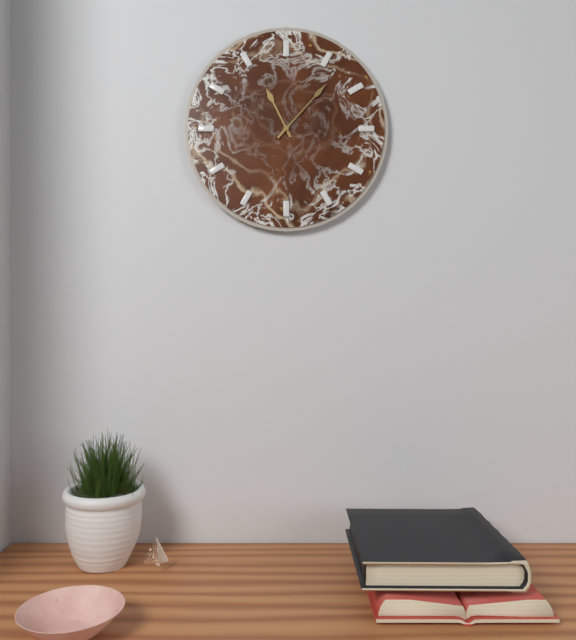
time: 11:07
